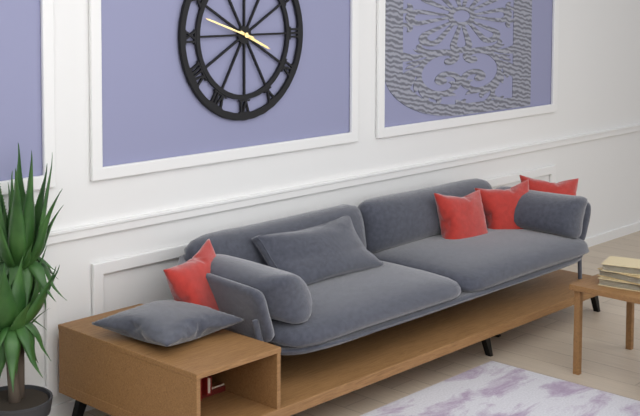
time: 3:48
